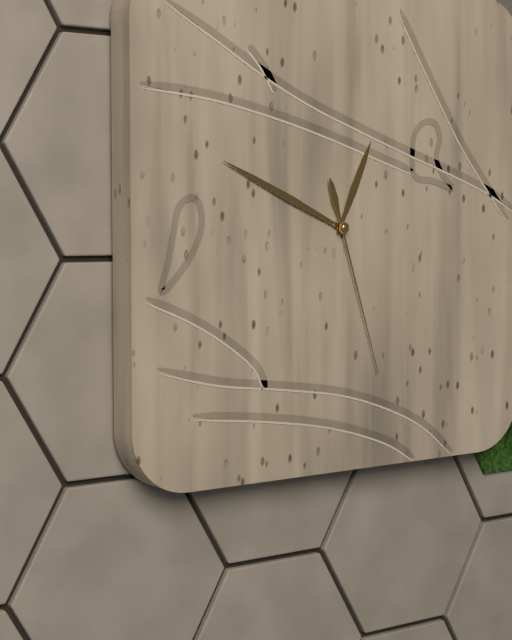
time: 12:49:27
